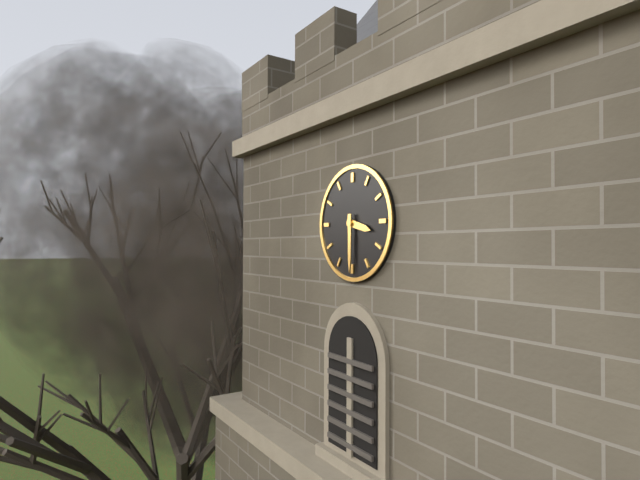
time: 3:30
